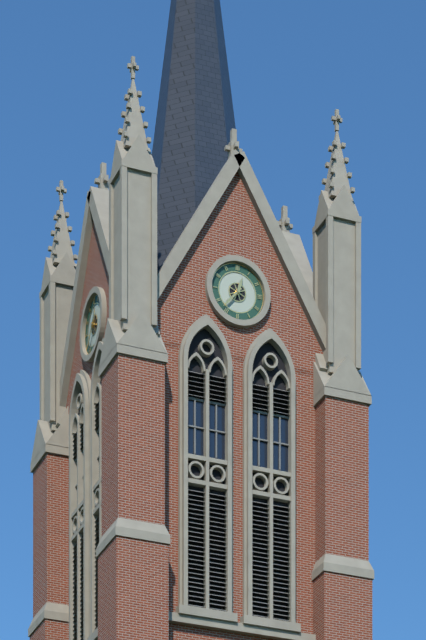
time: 12:37
